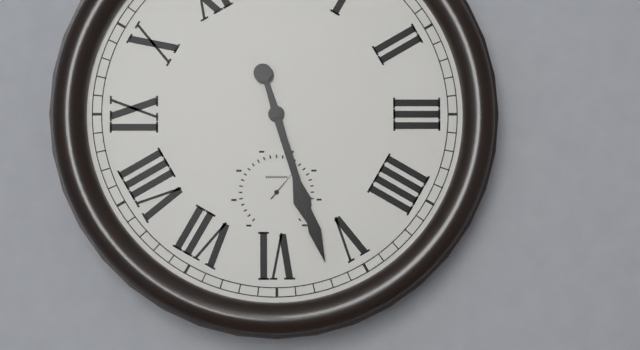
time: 5:27
